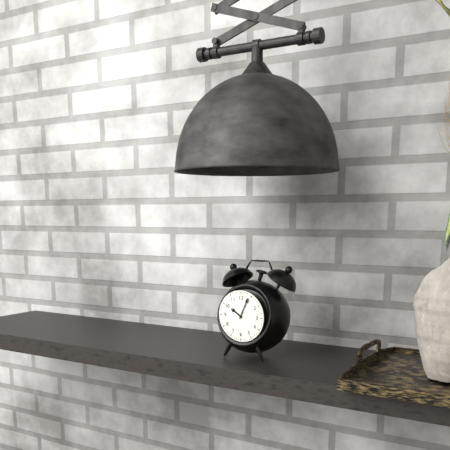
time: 10:04
